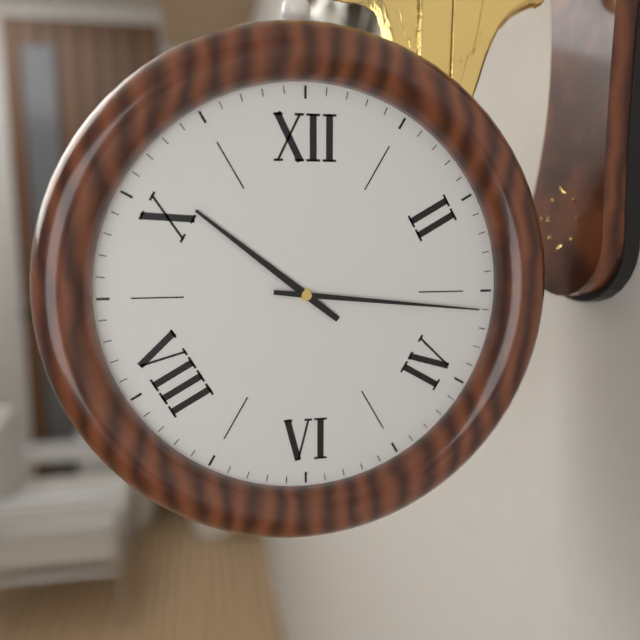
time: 10:16
